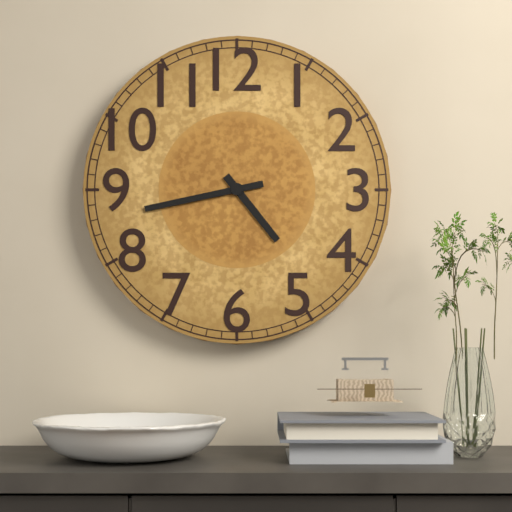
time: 4:43
